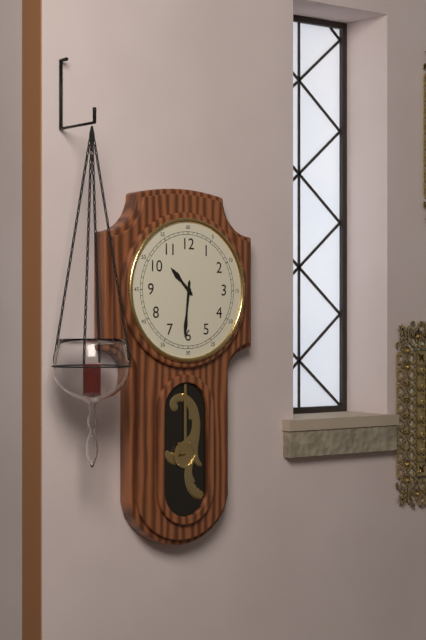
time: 10:31
